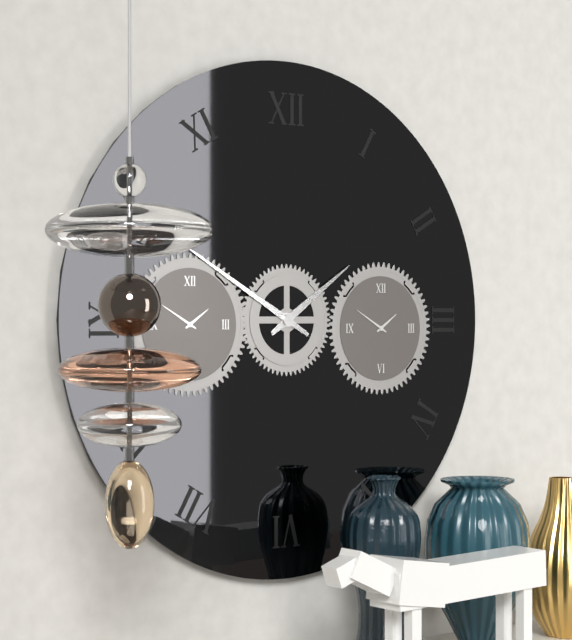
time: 1:50
